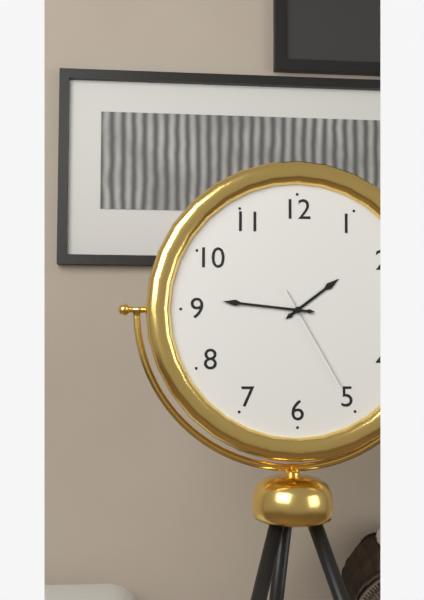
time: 1:46:25
